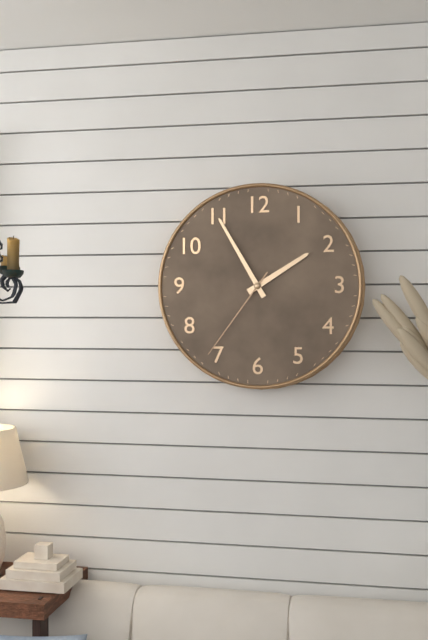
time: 1:55:36
